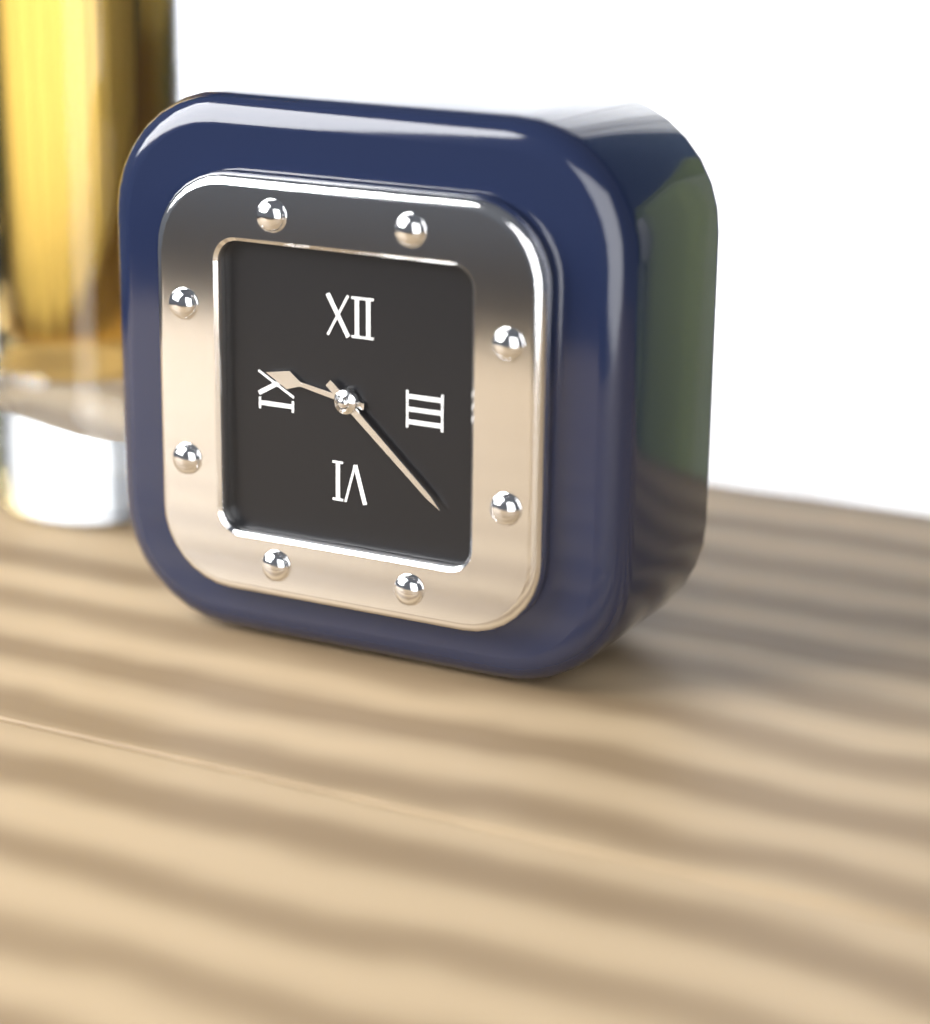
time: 9:22
